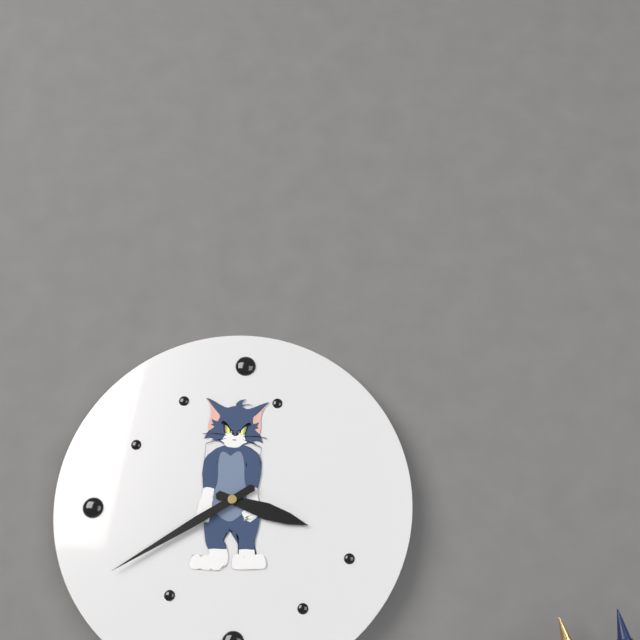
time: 3:40
